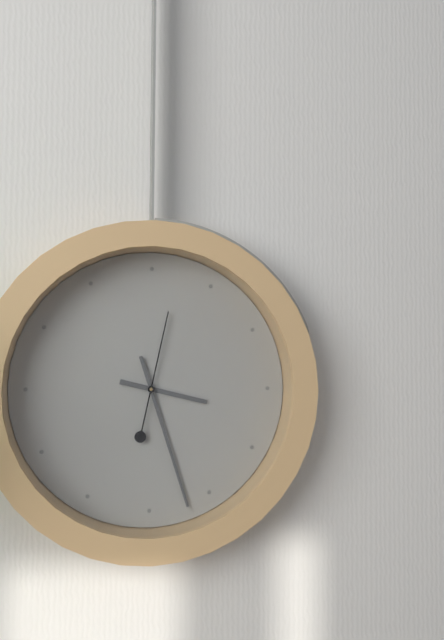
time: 3:27:02
